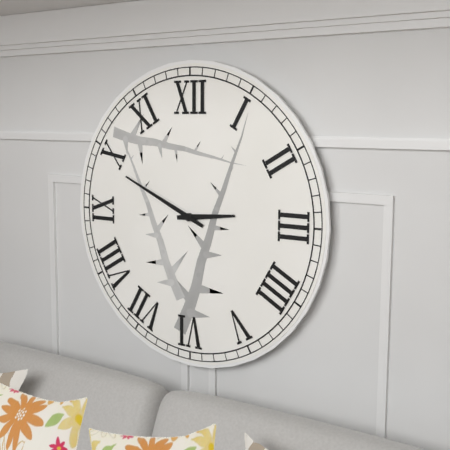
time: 2:49
